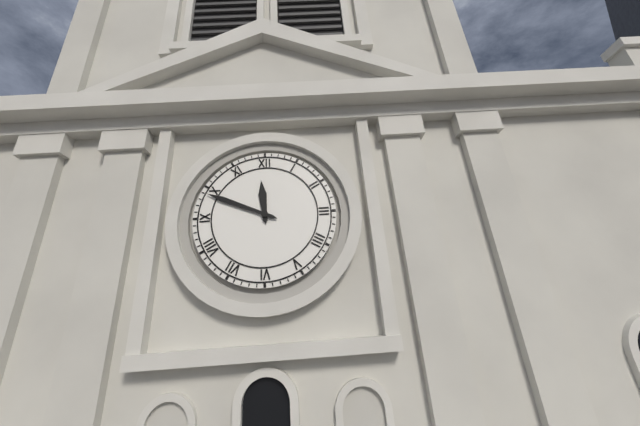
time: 11:49
